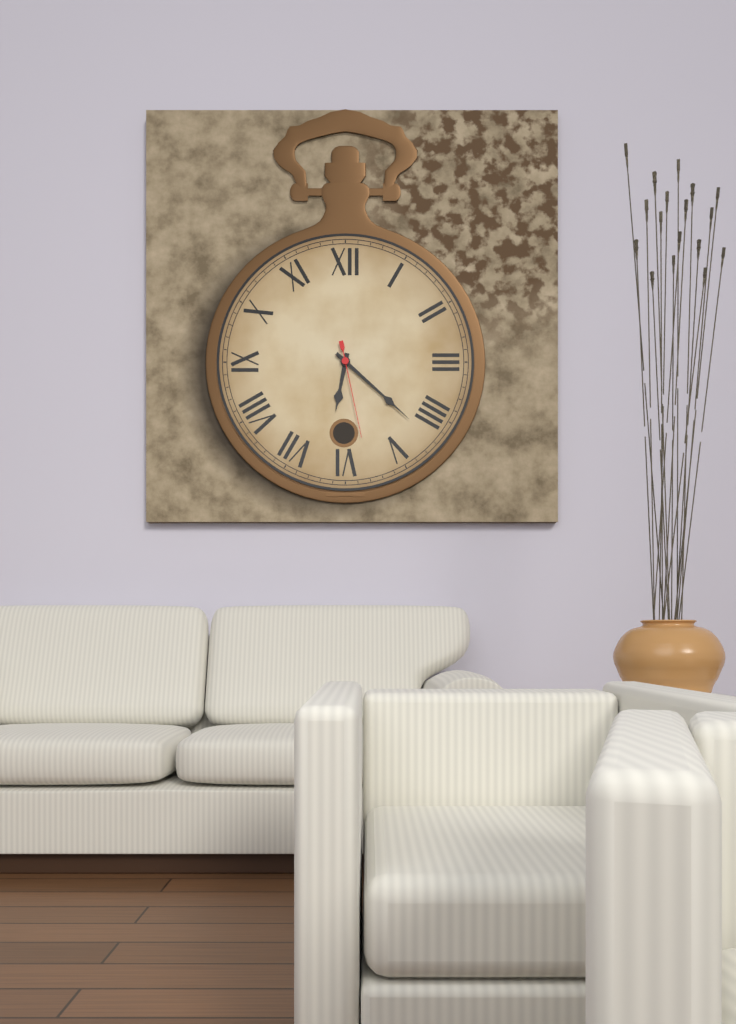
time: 6:22:28
